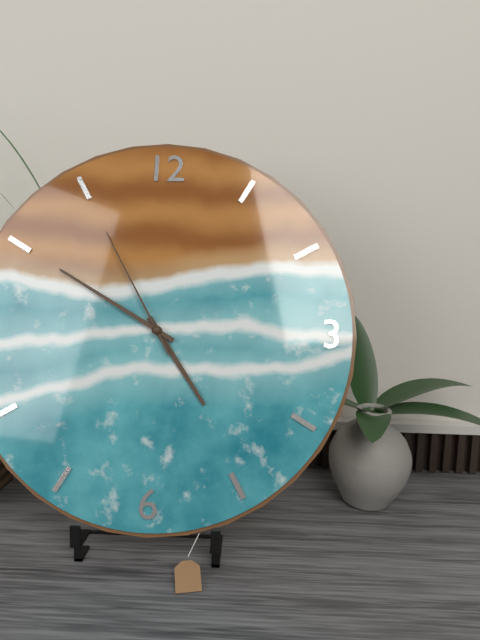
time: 4:50:55
